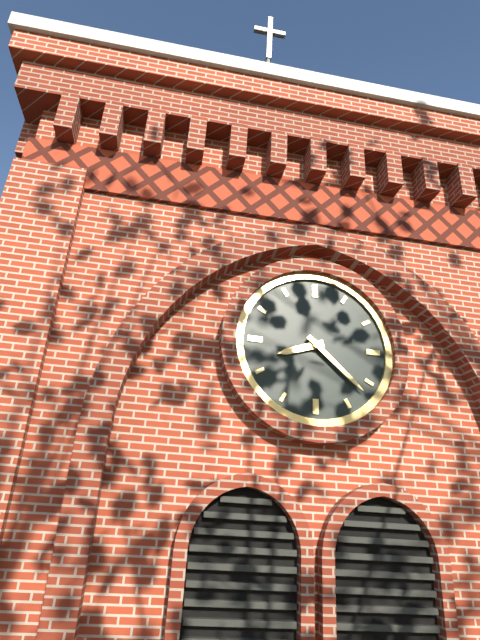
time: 8:22
